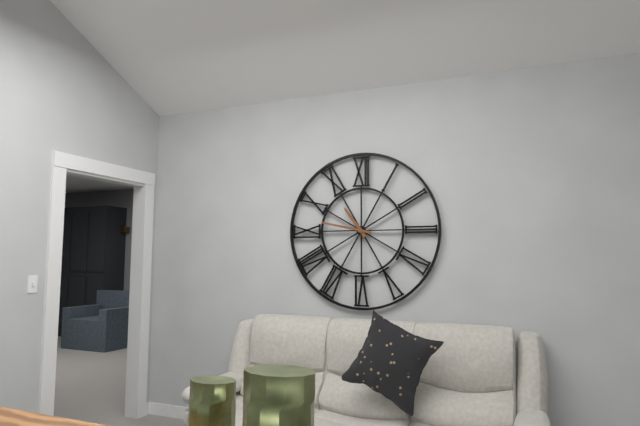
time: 10:47
